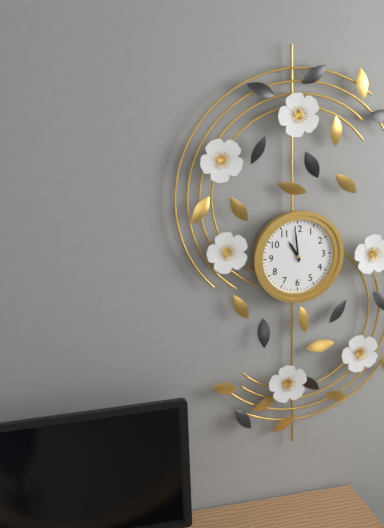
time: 10:59
